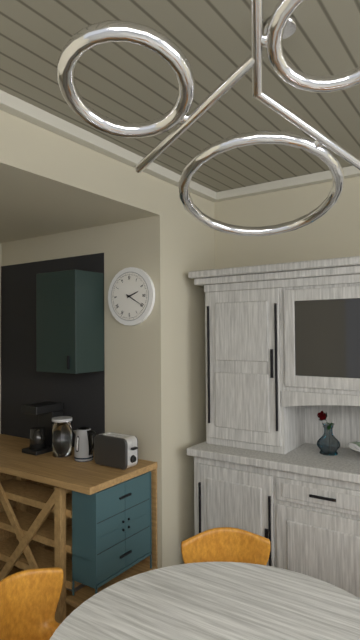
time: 2:20
